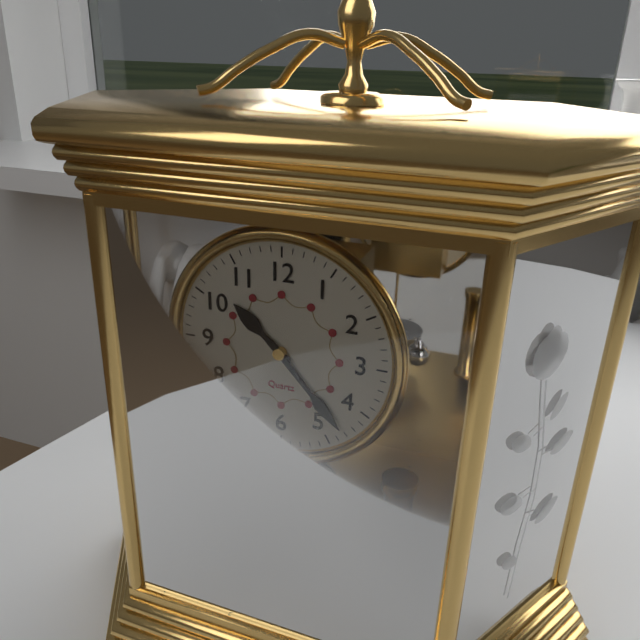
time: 10:23
